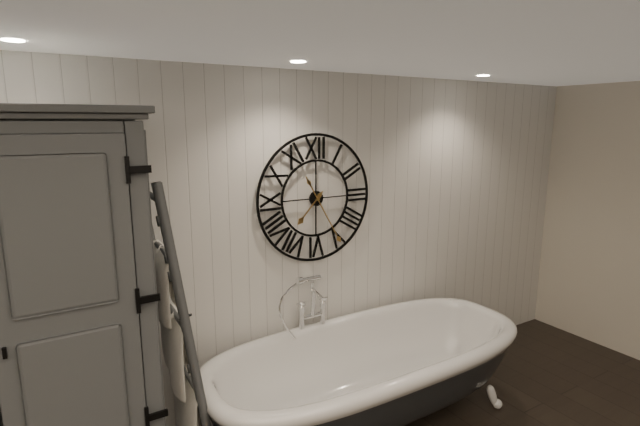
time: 7:25
